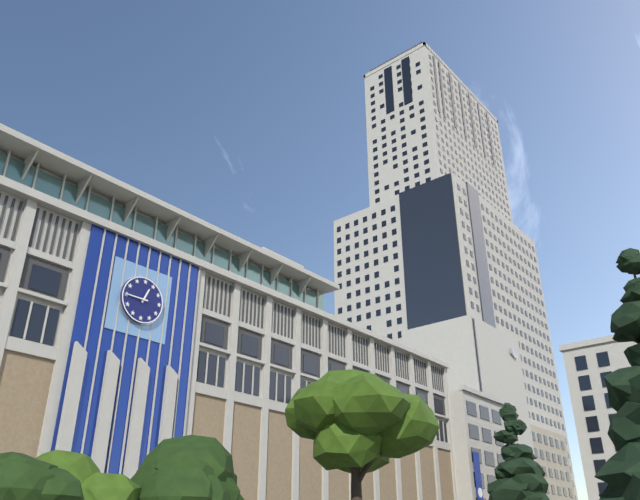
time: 12:45
